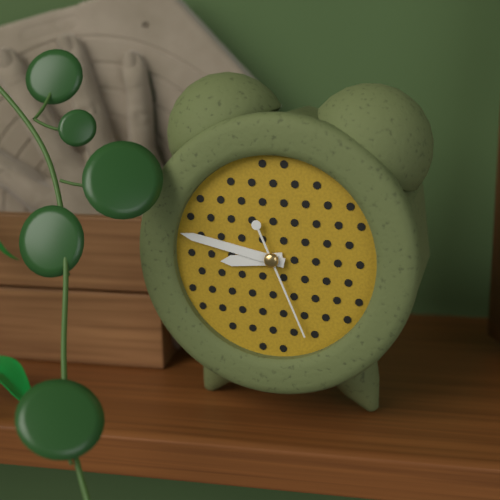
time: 8:47:26
